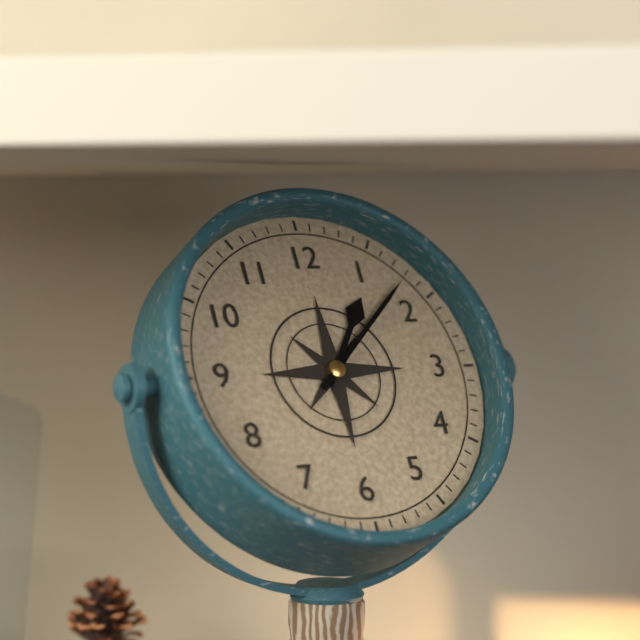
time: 1:08
